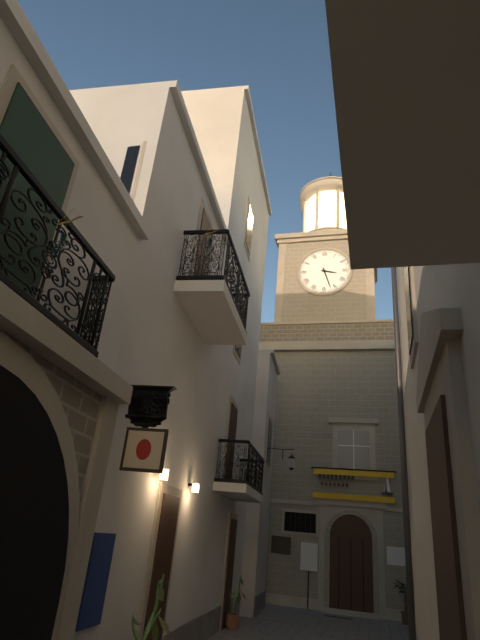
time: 3:27
